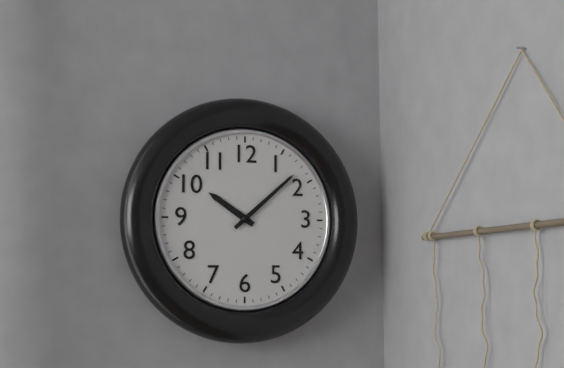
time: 10:08
